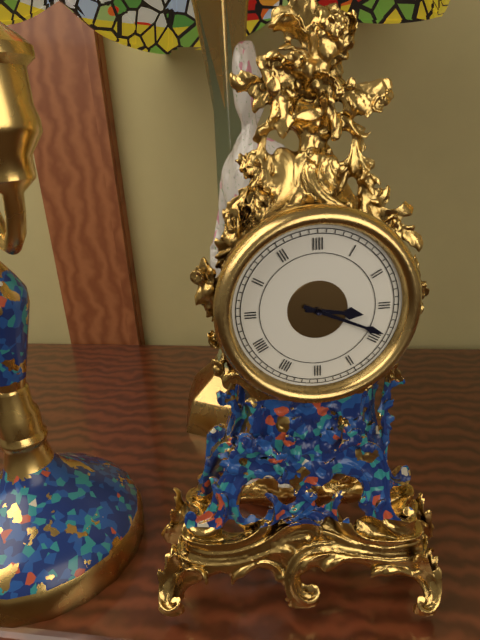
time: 3:19
